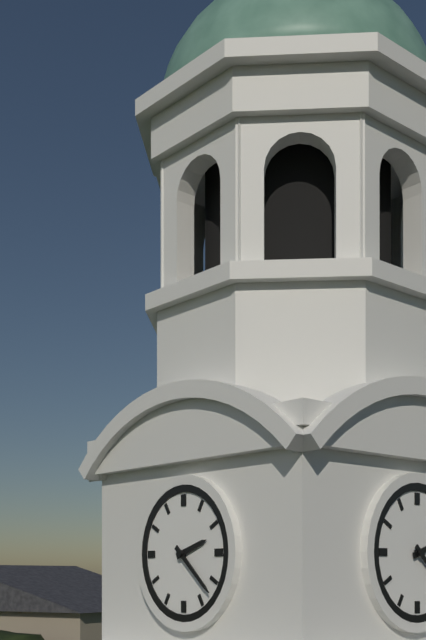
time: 2:22
